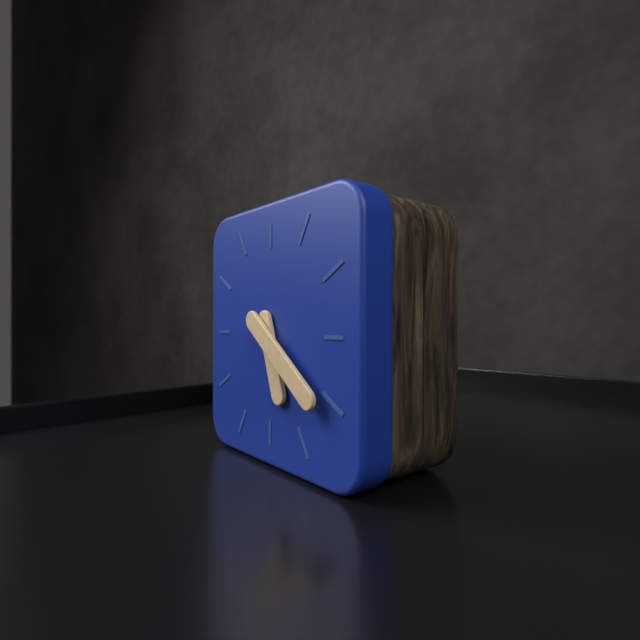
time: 5:21
